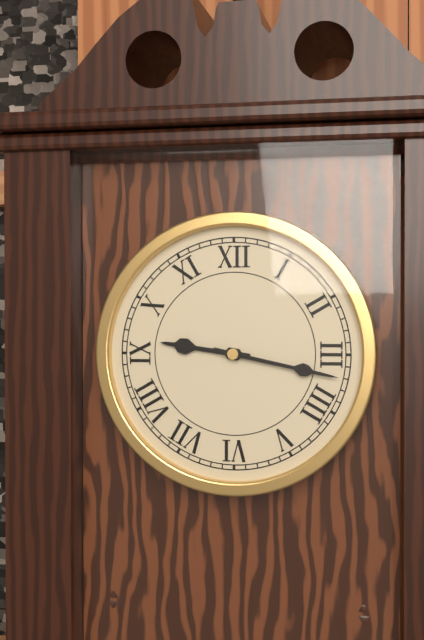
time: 9:17
